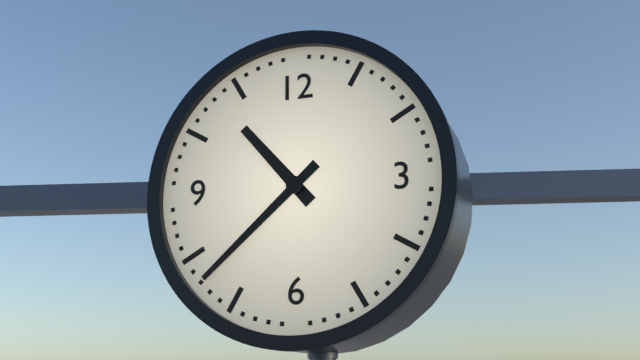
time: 10:38
